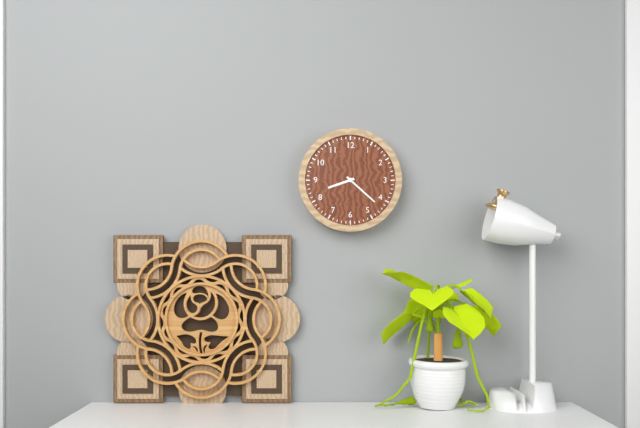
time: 8:22
